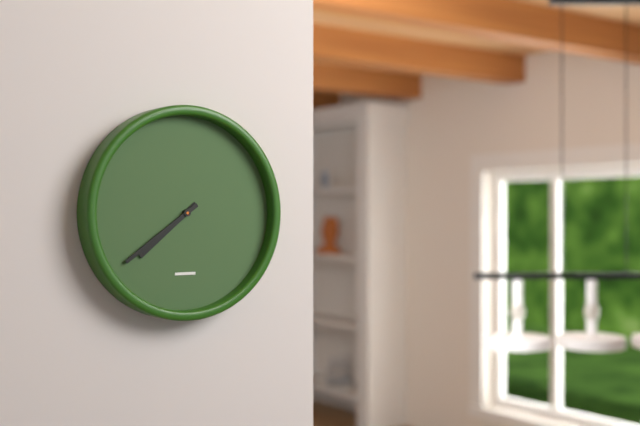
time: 7:39
